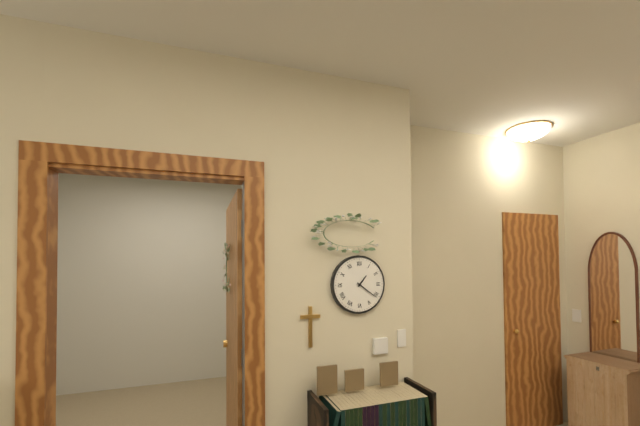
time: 1:21
